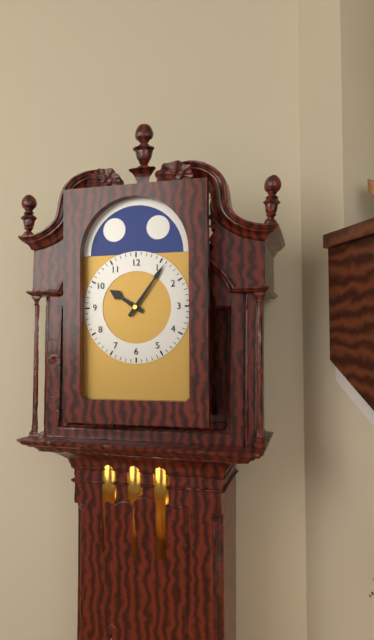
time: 10:06
